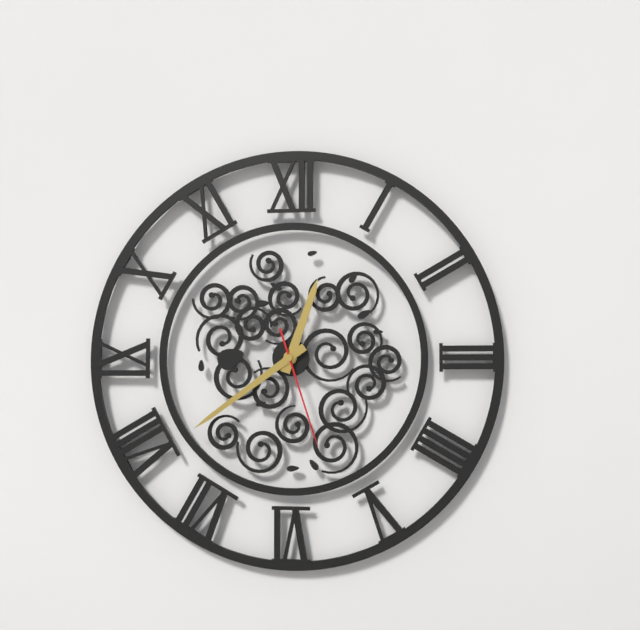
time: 12:39:27
